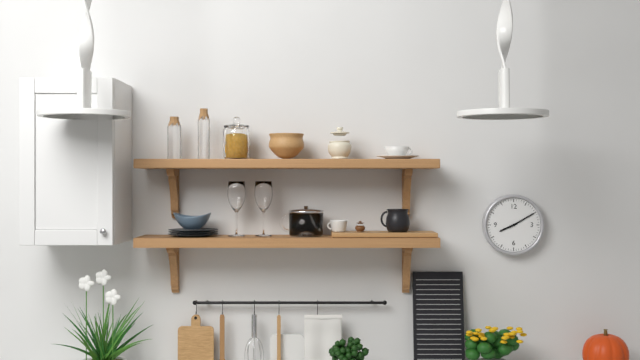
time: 8:10
